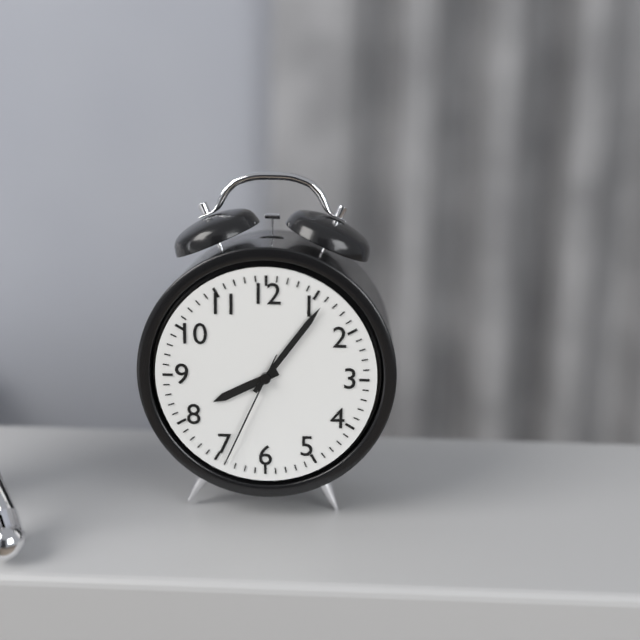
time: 8:06:34
